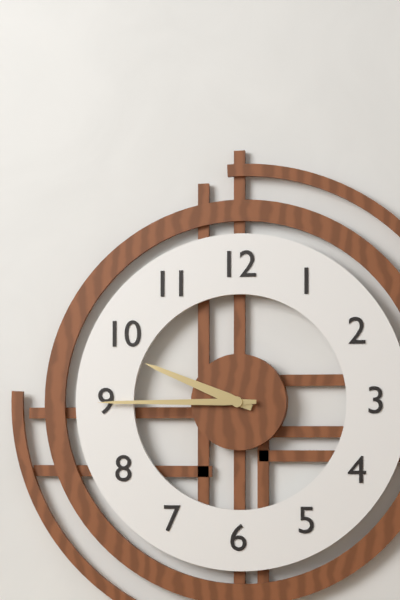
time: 9:45
